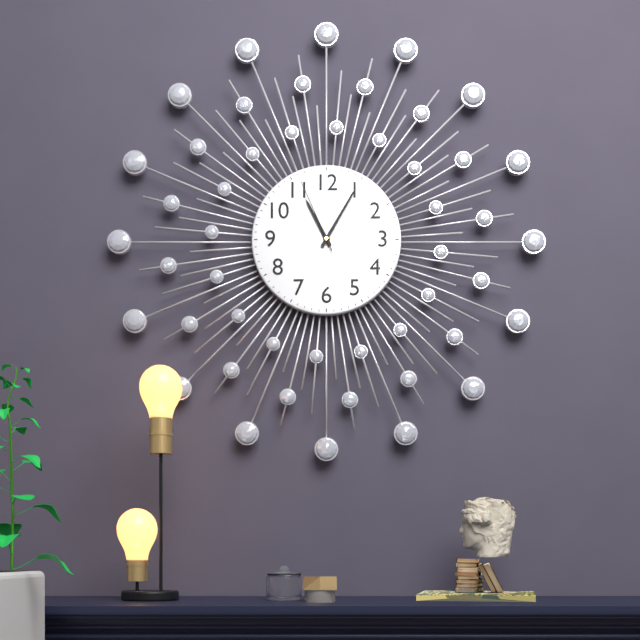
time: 11:05:56
